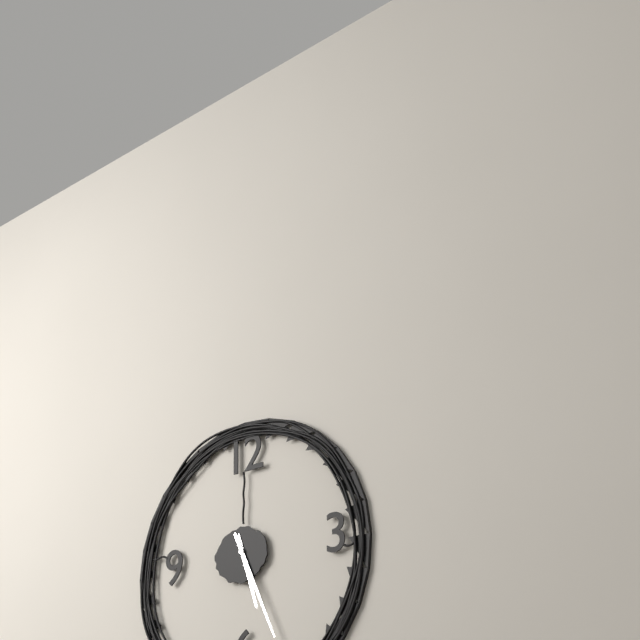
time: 5:26
